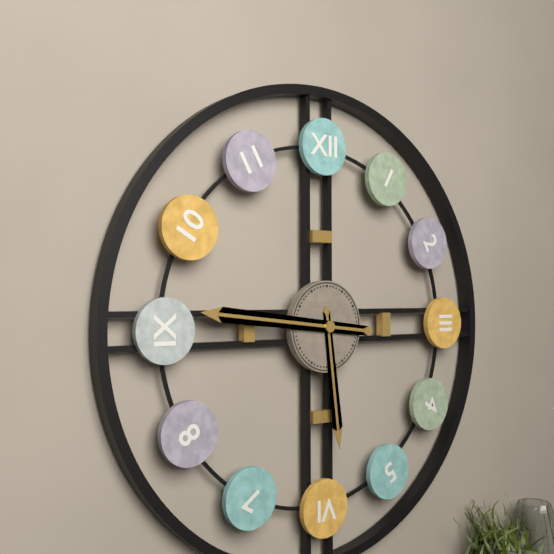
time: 5:46
